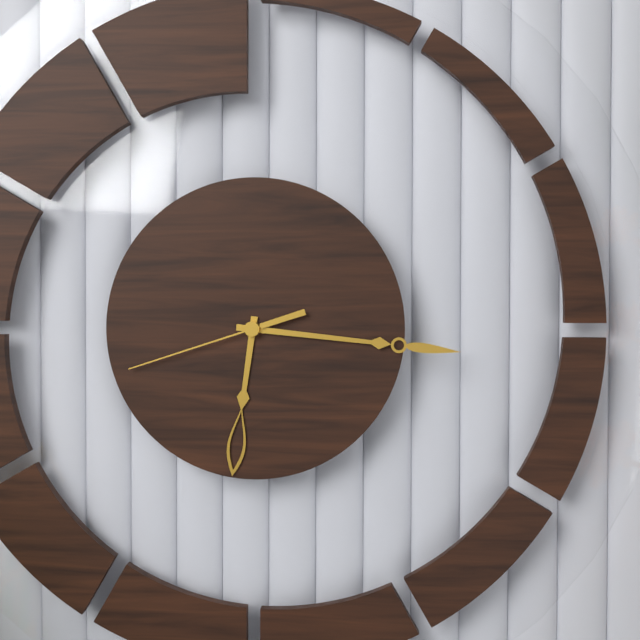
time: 6:16:42
